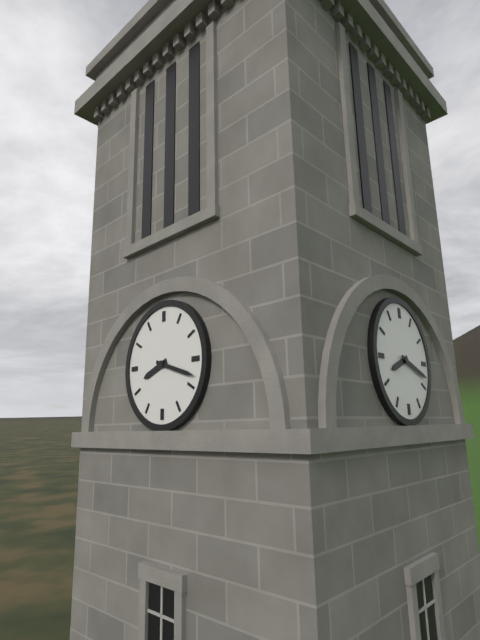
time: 8:18
